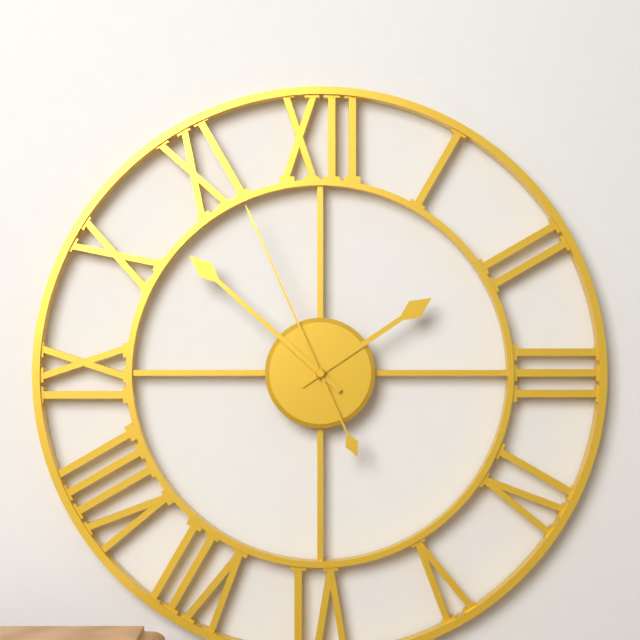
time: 1:52:56
